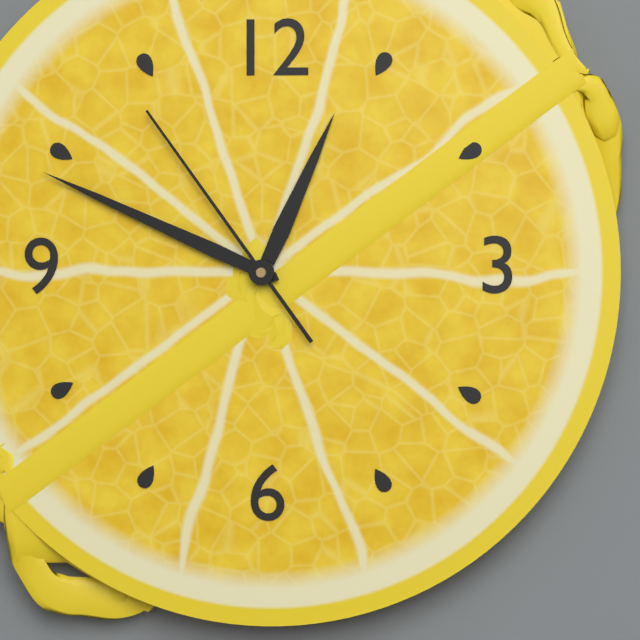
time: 12:49:54
